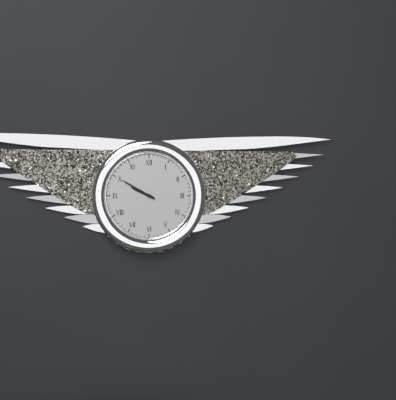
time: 9:50
